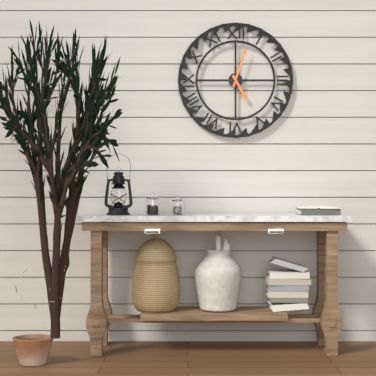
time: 5:03
